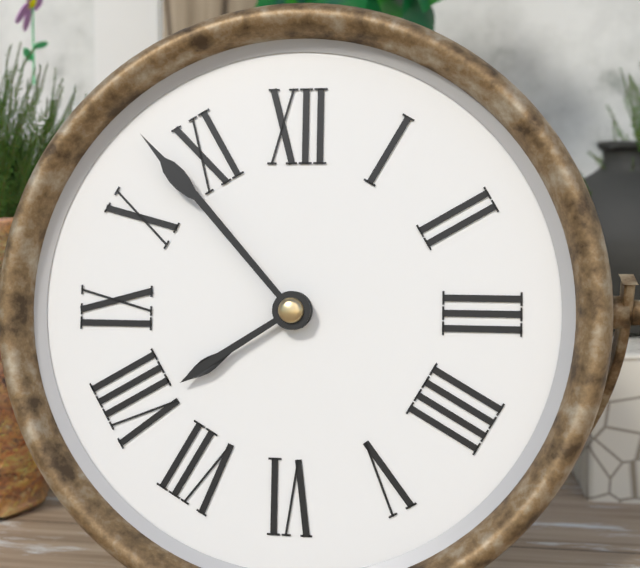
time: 7:53
